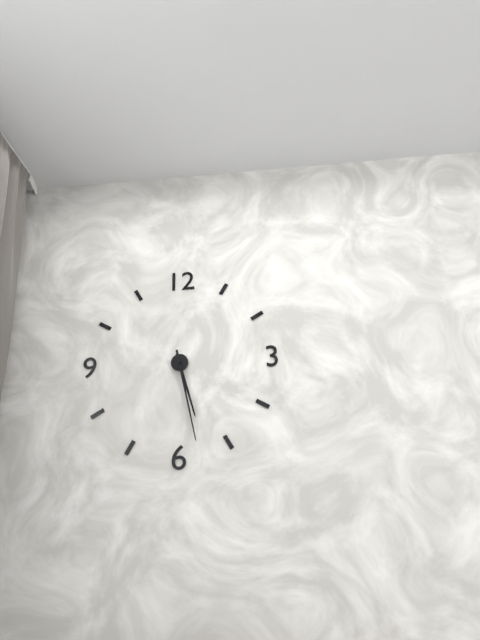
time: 5:28
